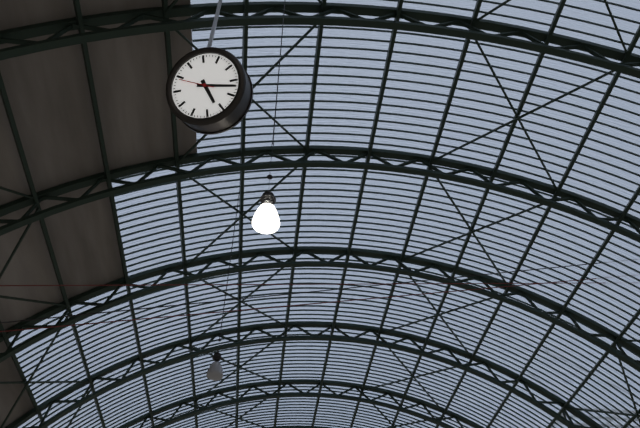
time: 5:17
